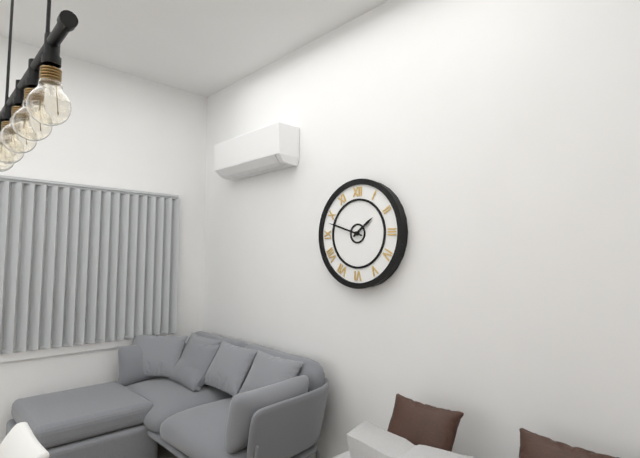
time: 1:48
